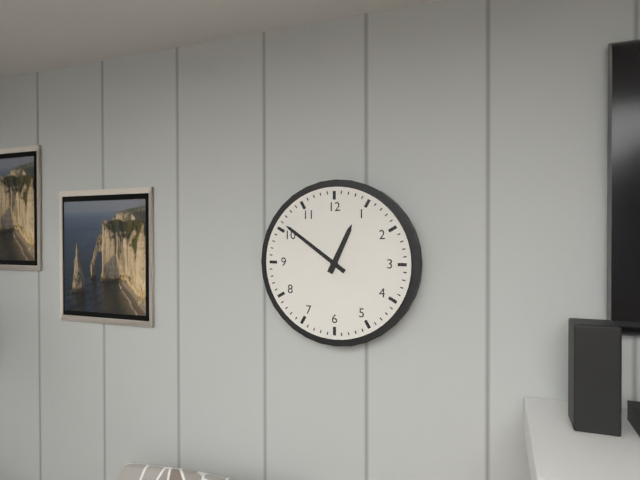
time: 12:51
